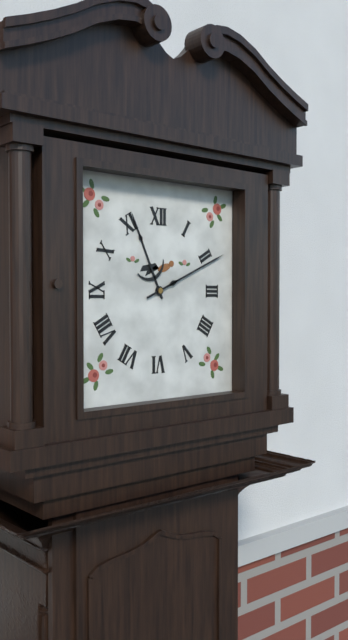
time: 11:11
